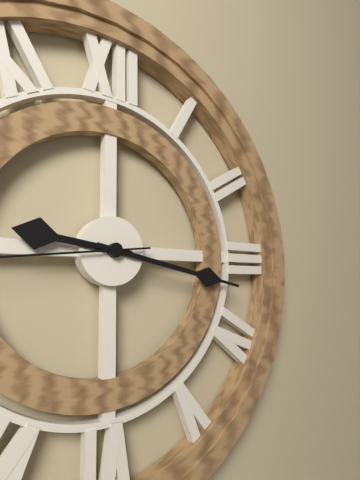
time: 9:17
